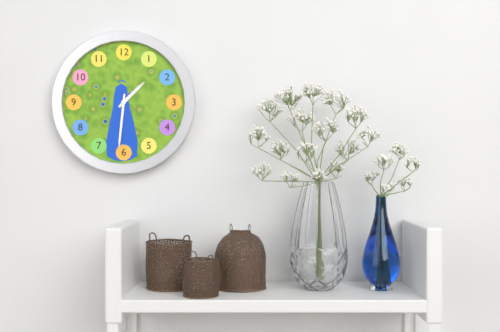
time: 1:31
